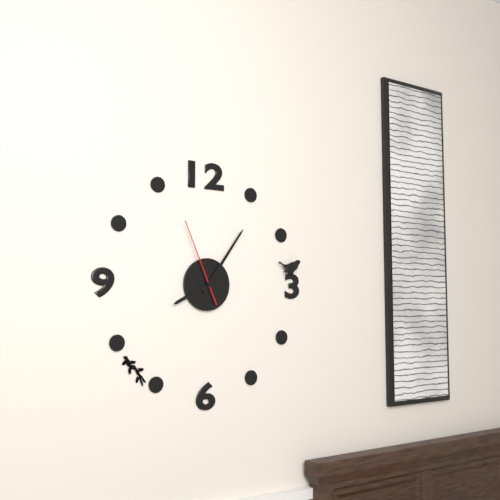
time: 8:06:56
